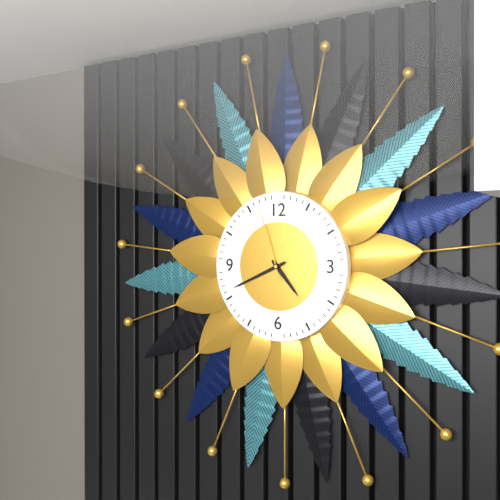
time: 4:41:57
